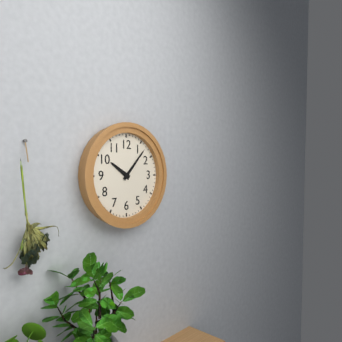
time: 10:07
